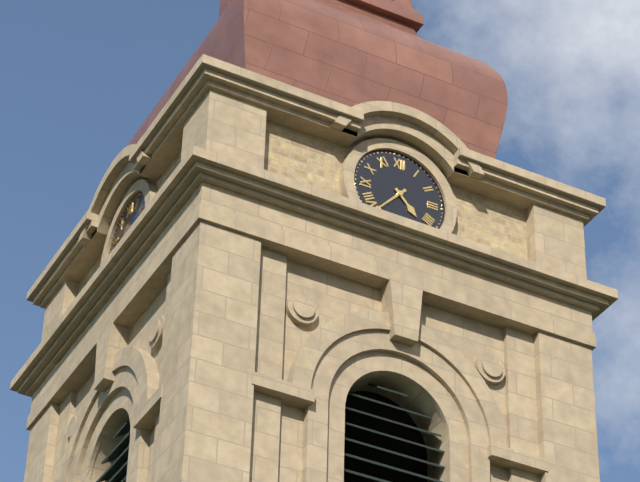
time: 4:37
